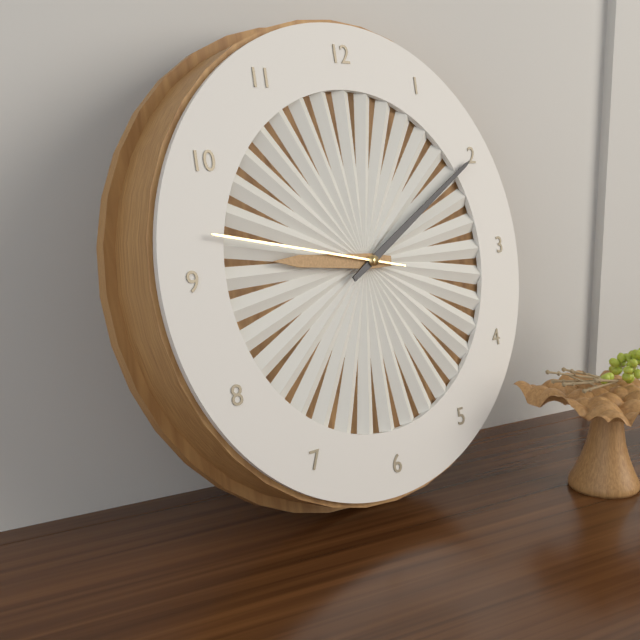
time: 9:10:47
